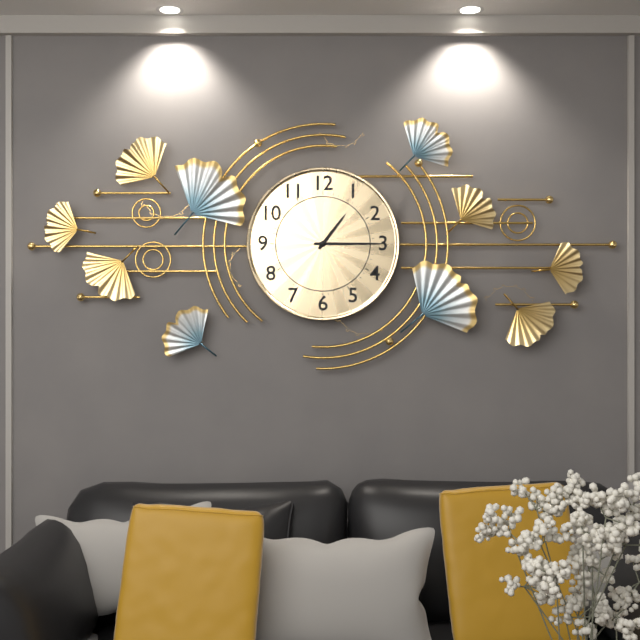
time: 1:15
